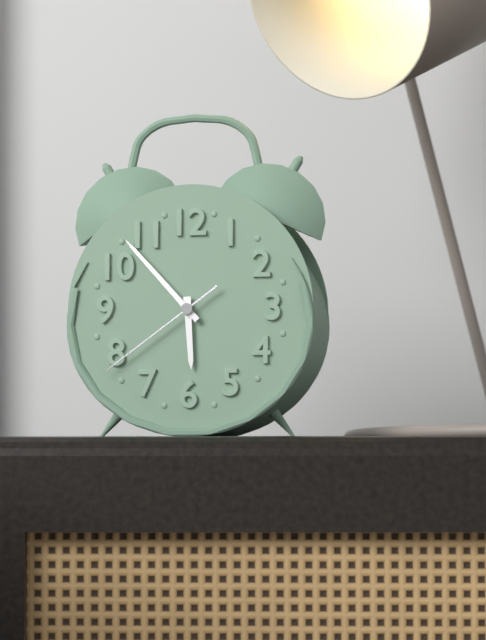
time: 5:53:39
